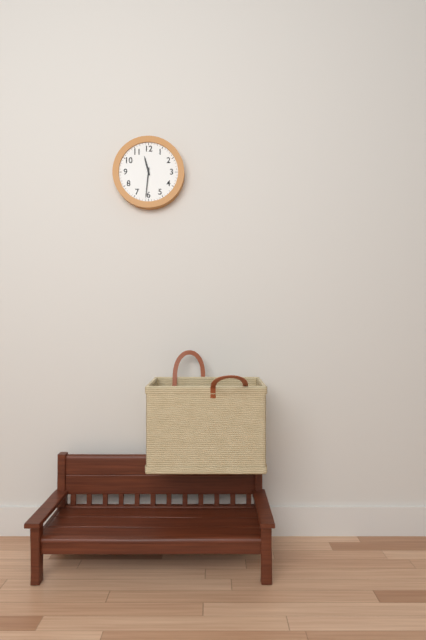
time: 11:31
